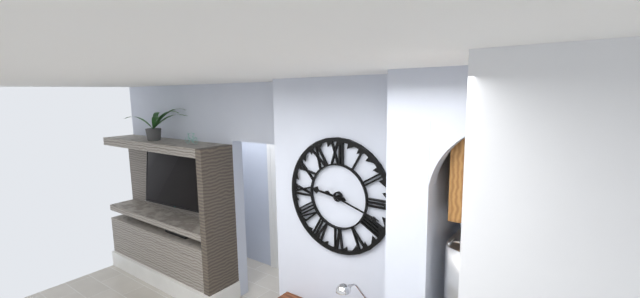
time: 9:18
